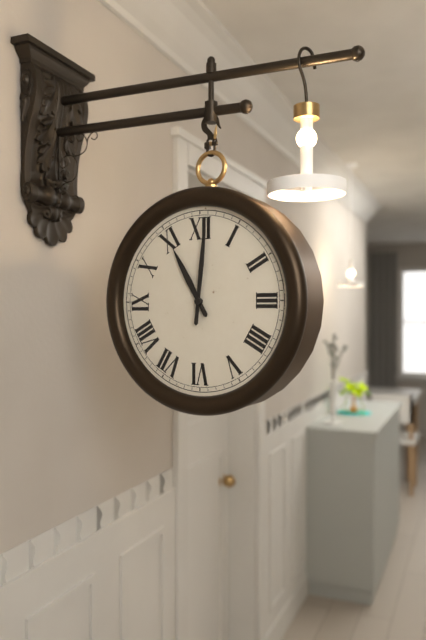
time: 11:01
